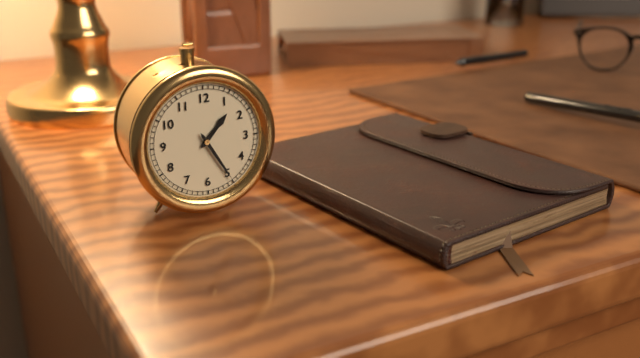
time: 1:25
